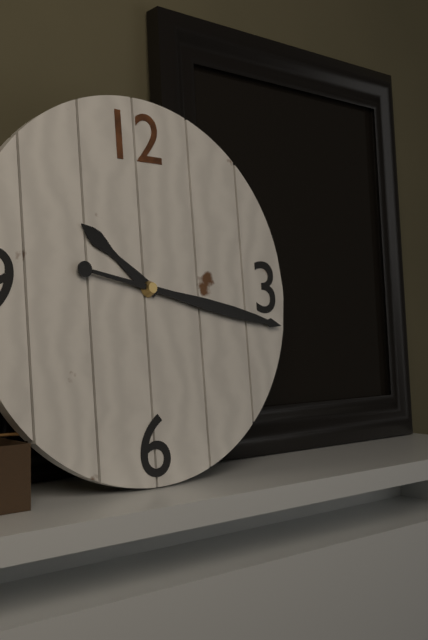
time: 10:17
